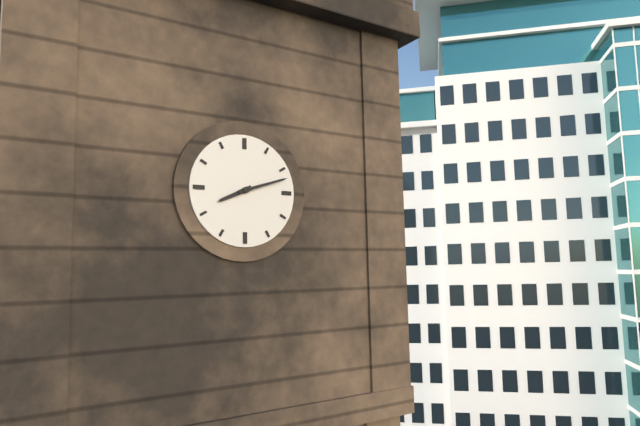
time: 8:12
